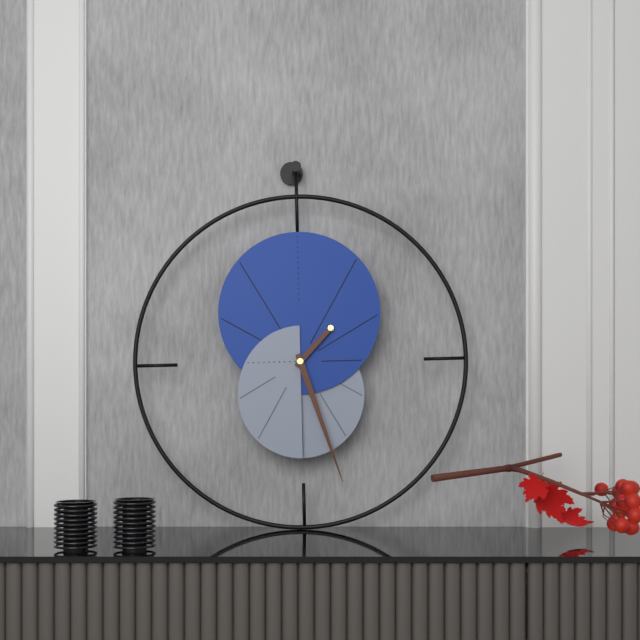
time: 1:27
